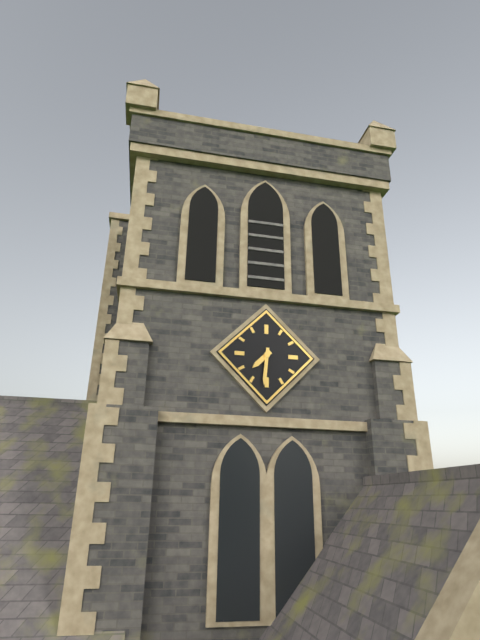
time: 7:31
